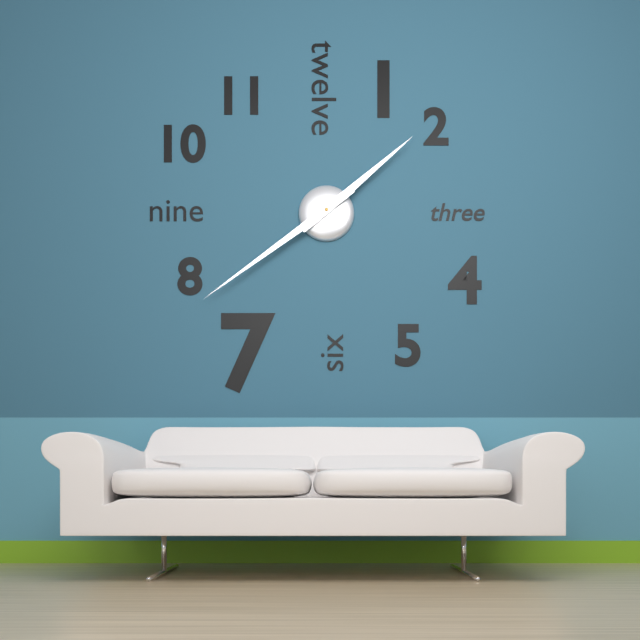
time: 1:39
